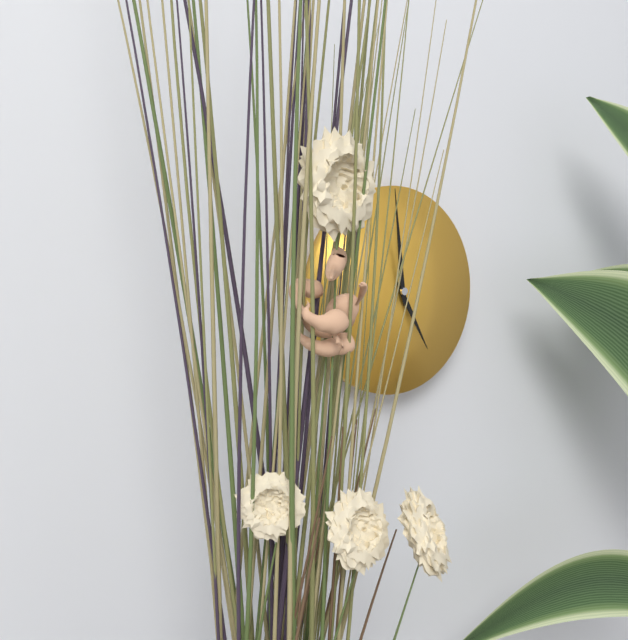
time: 4:59
